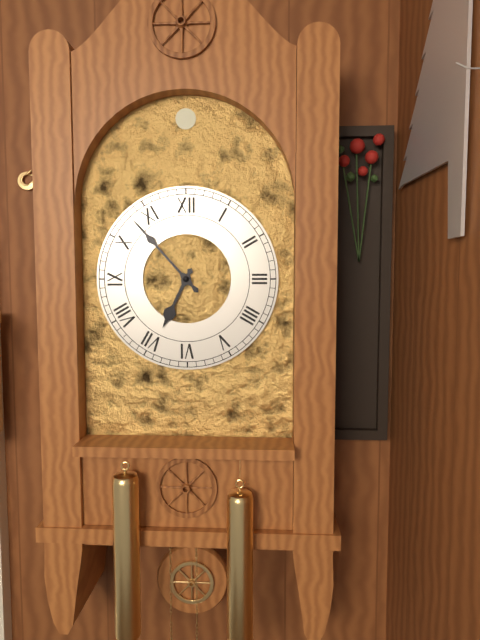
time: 6:53
